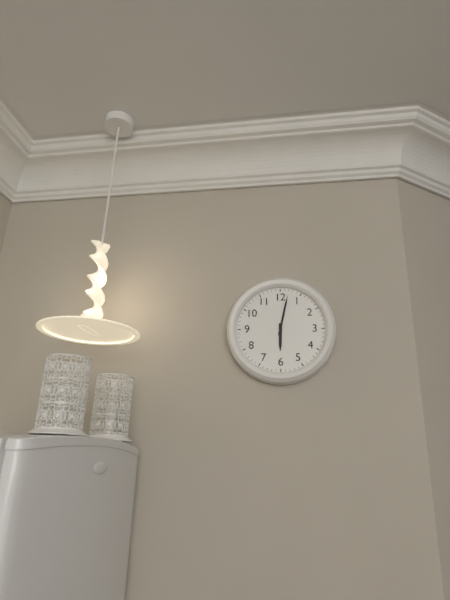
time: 6:02
